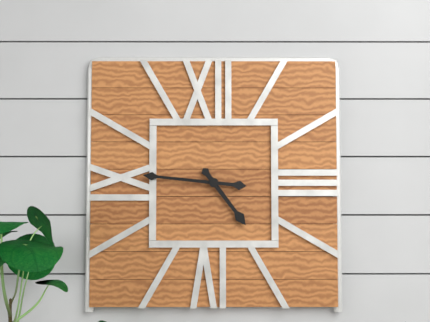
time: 4:46
